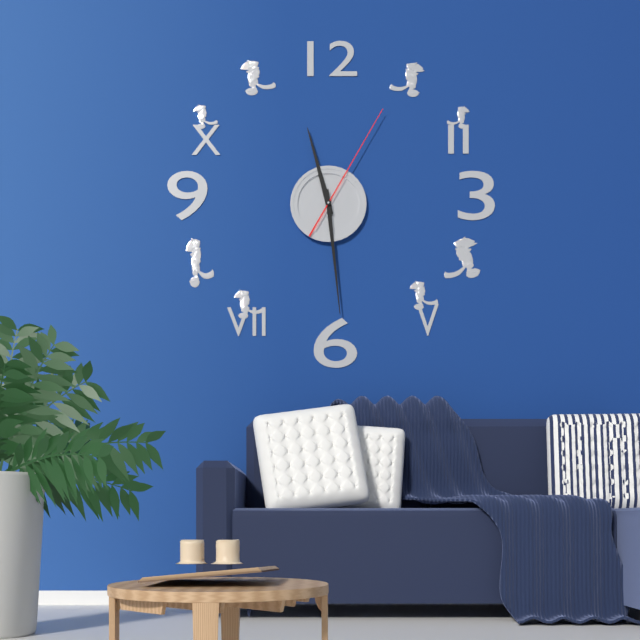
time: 11:29:05
